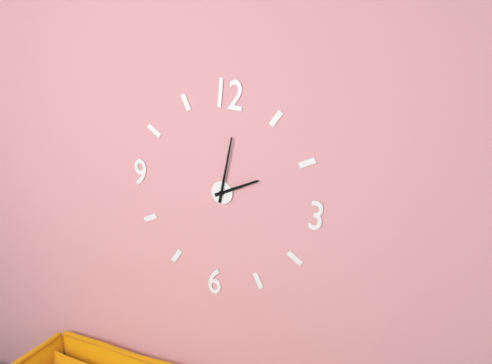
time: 2:01
